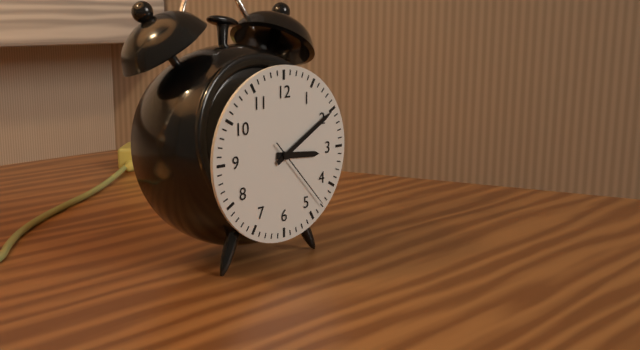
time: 3:10:23
